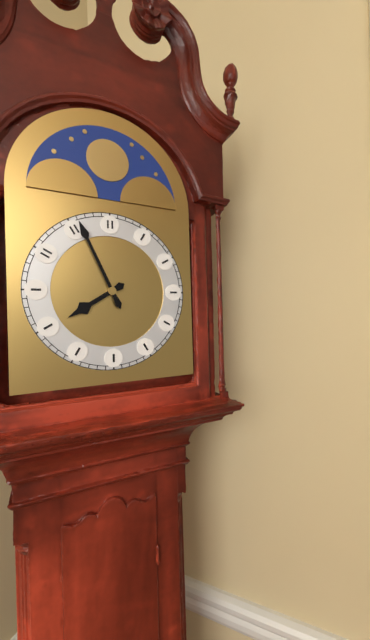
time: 7:56
